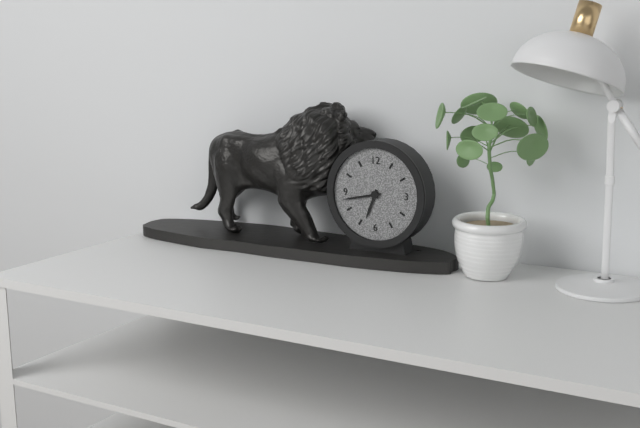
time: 6:43
